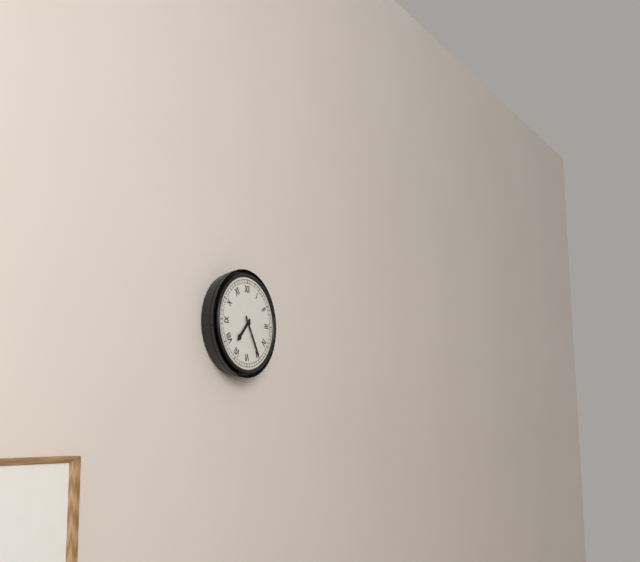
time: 7:25
